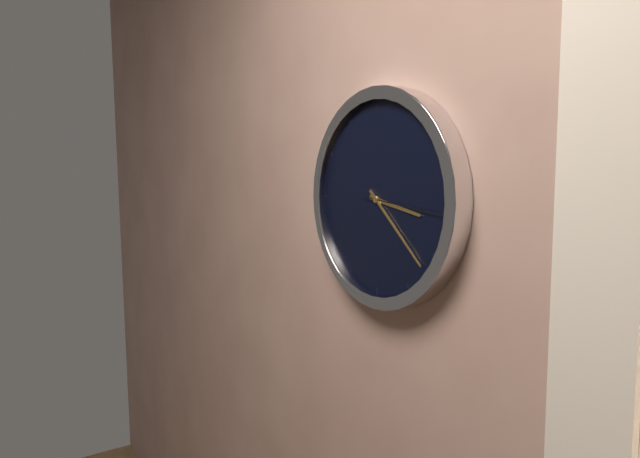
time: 3:22:16
